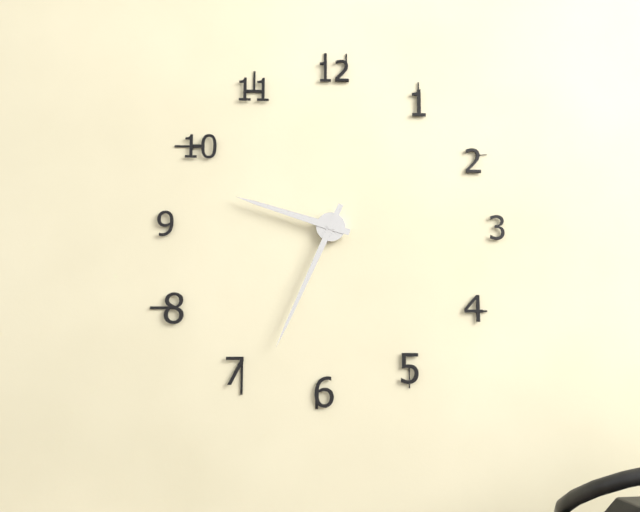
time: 9:34
